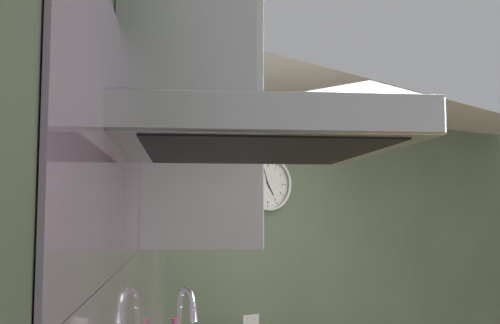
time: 4:57
